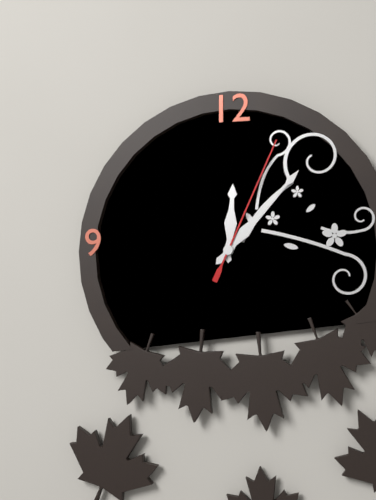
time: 12:07:04
